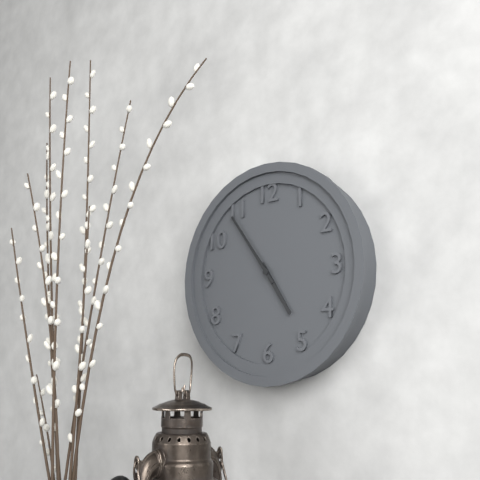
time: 4:54
